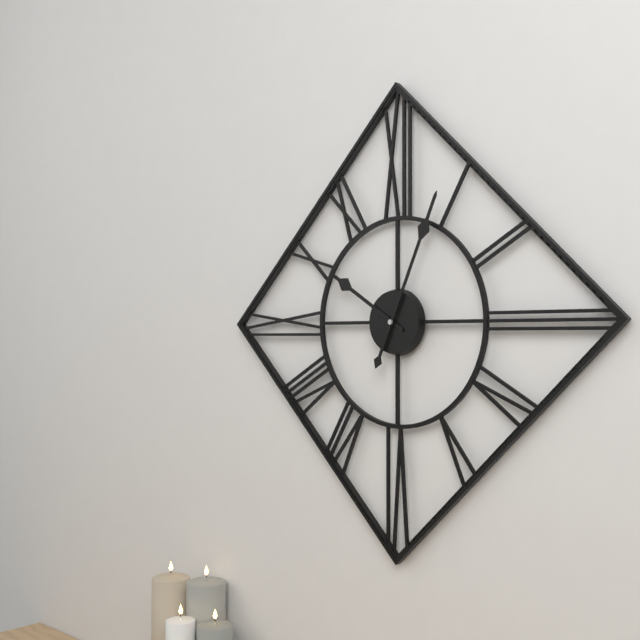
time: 10:04
